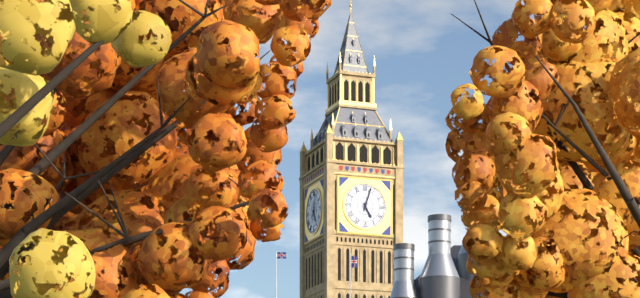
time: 5:03
